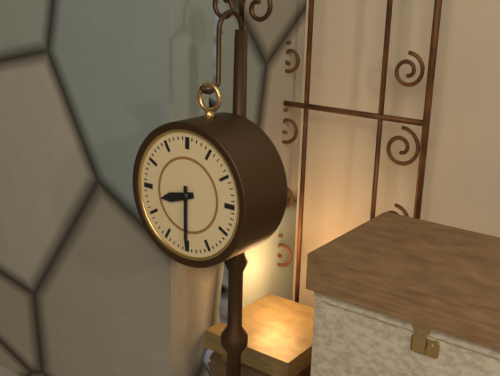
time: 8:30
